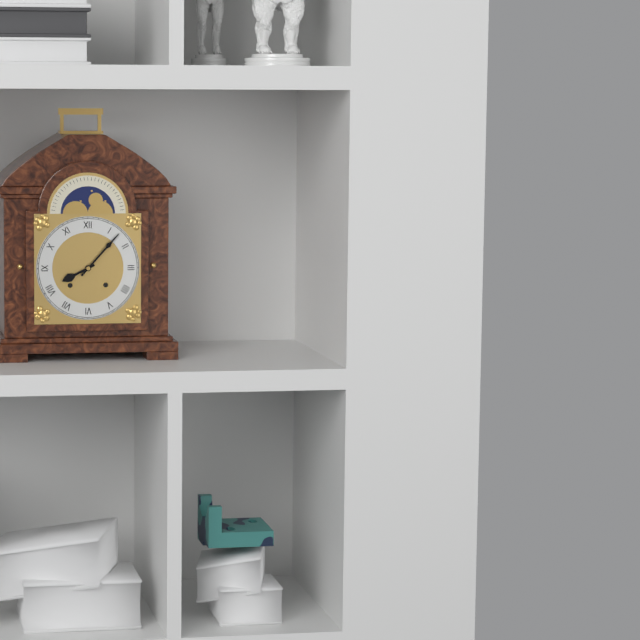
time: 8:07
